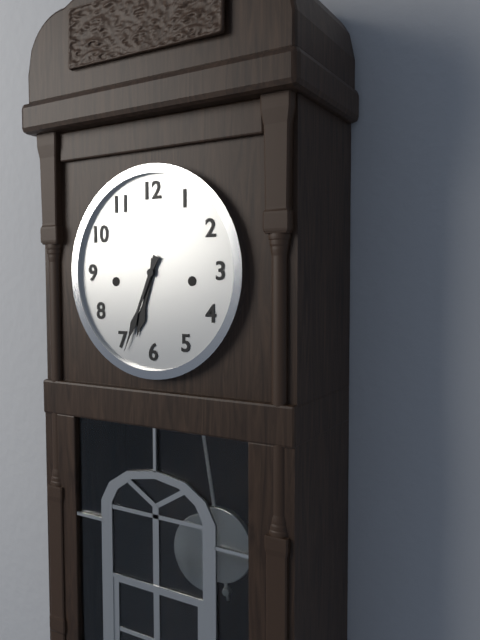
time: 6:34
